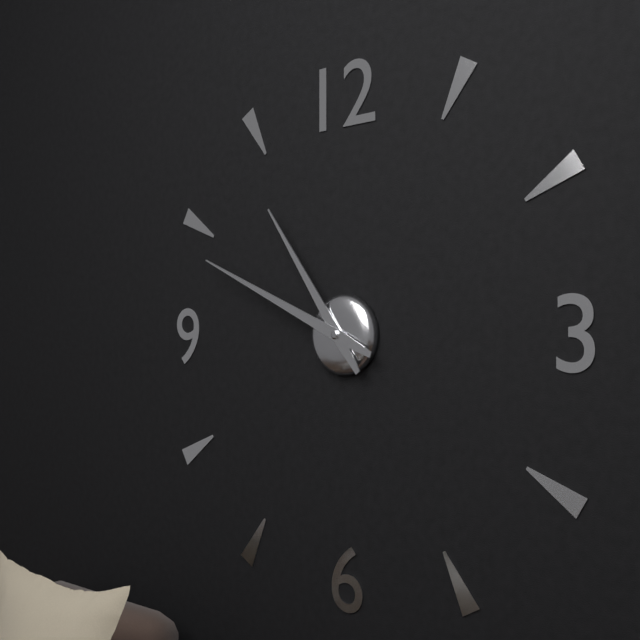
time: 10:49
